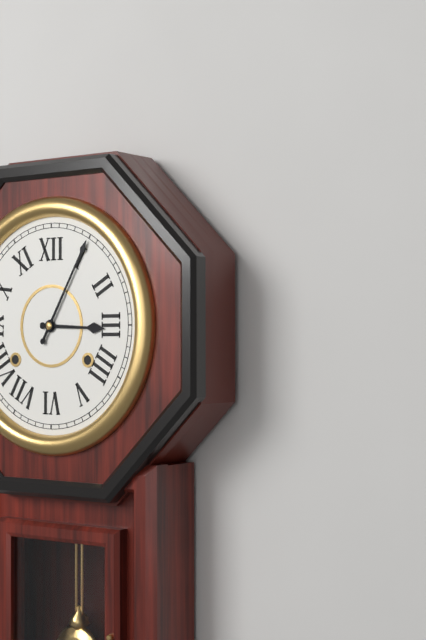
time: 3:05
